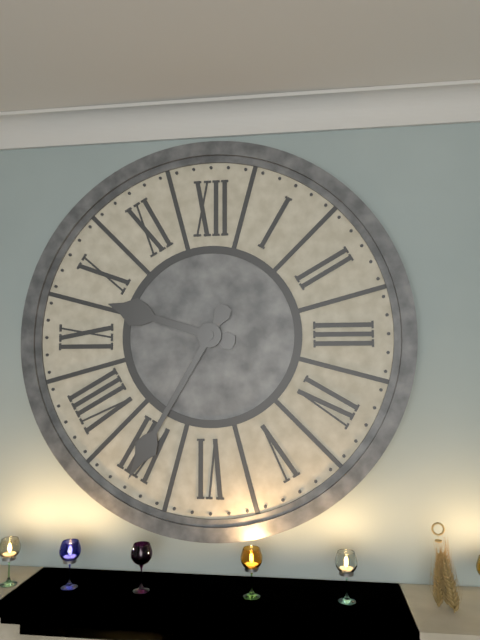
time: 9:35
